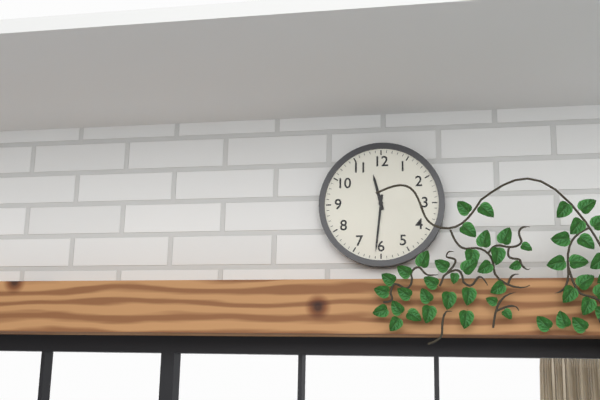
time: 11:31
